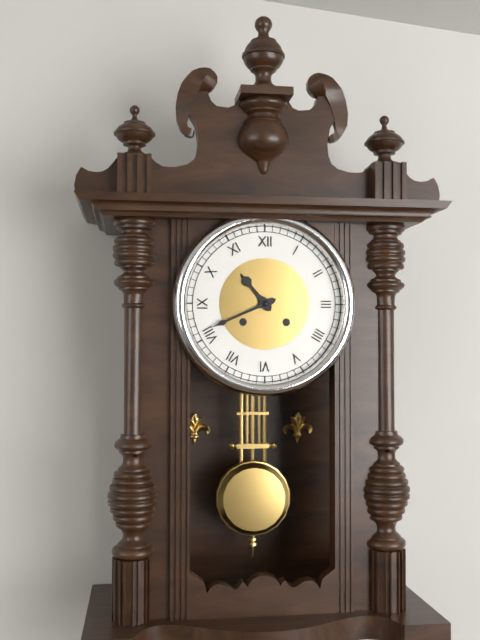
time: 10:41
